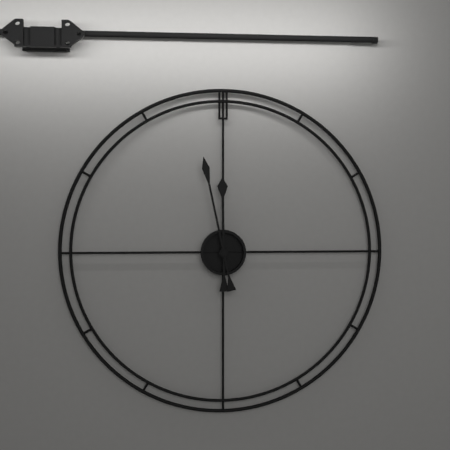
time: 11:58
